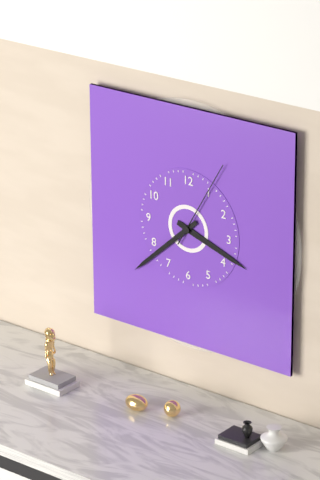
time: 3:38:05
